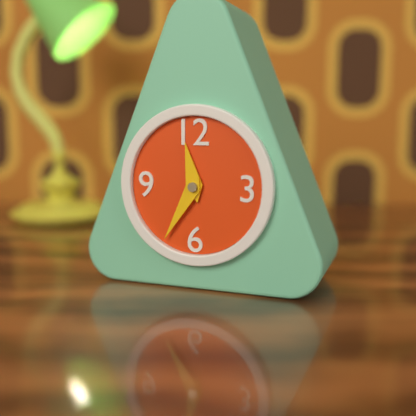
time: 11:35
